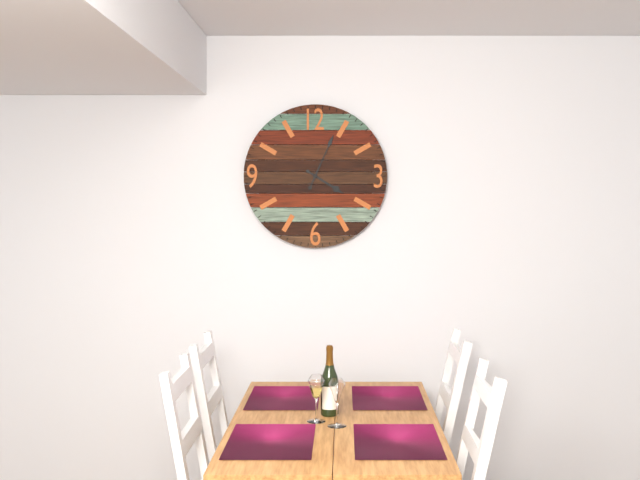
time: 4:04
